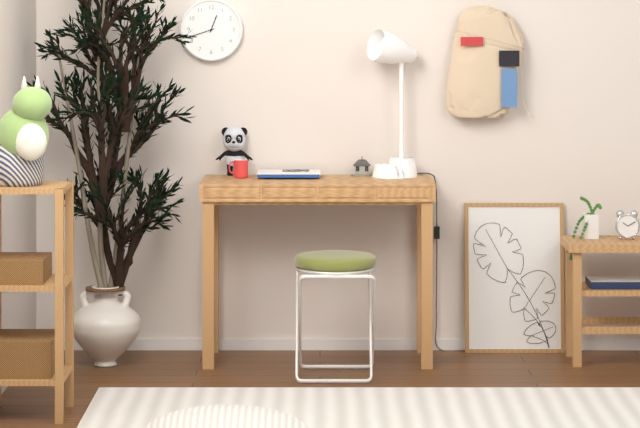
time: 12:42
